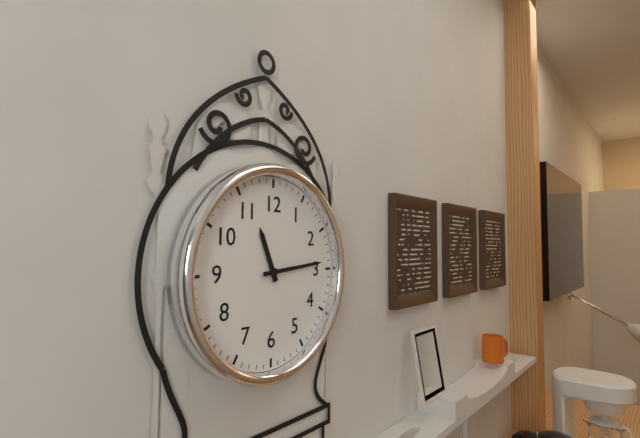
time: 11:14
